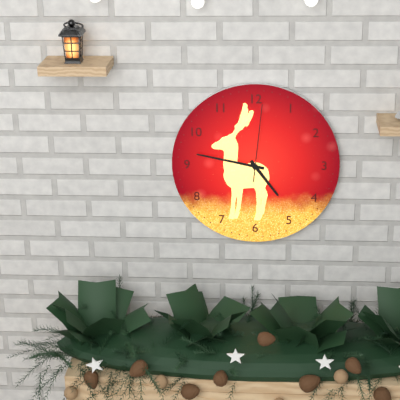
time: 4:47:01
